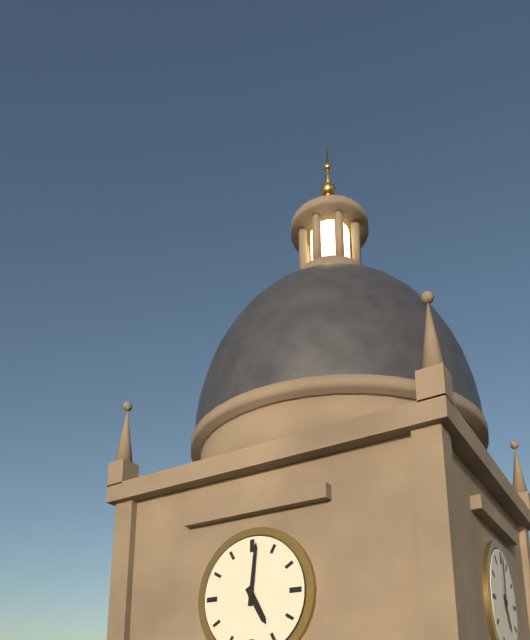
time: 5:01
